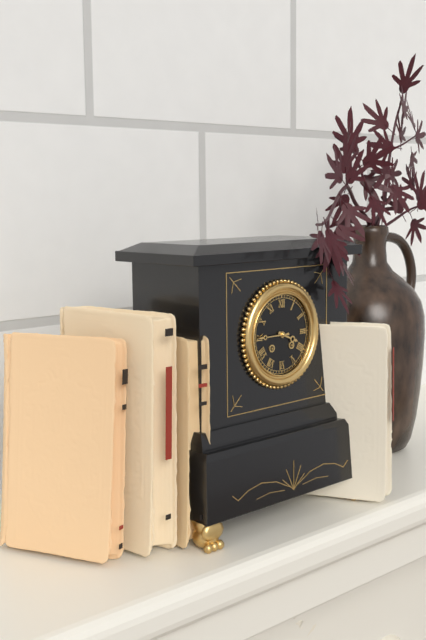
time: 3:45
